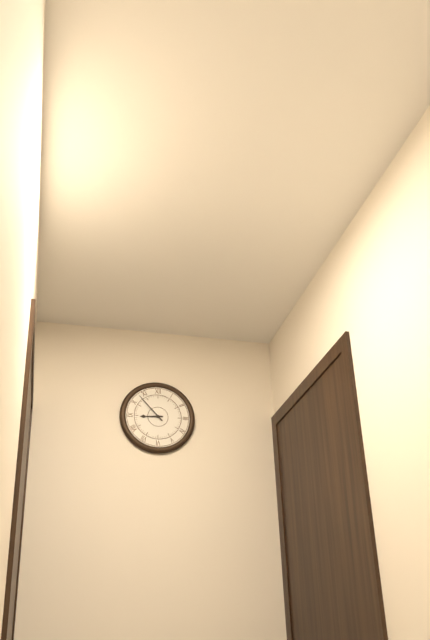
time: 8:53
